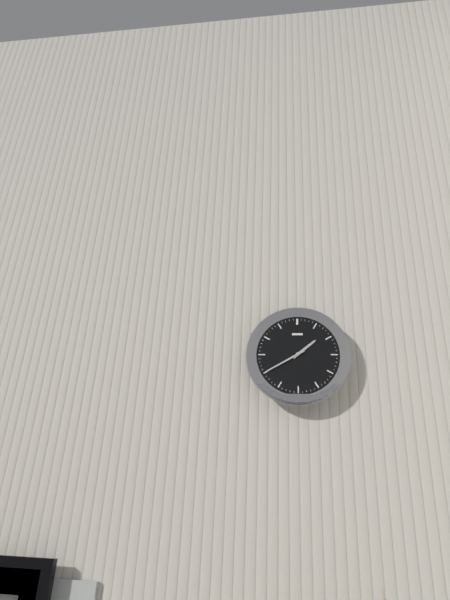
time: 1:40
